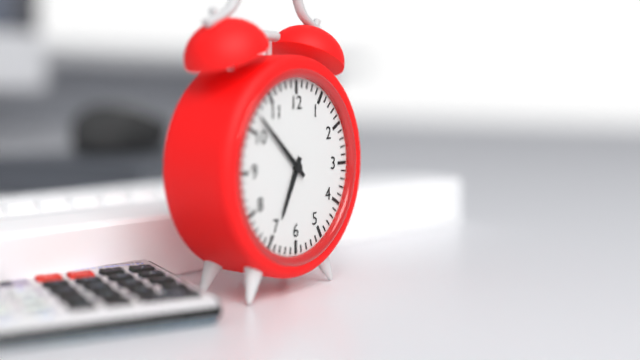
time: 6:52
